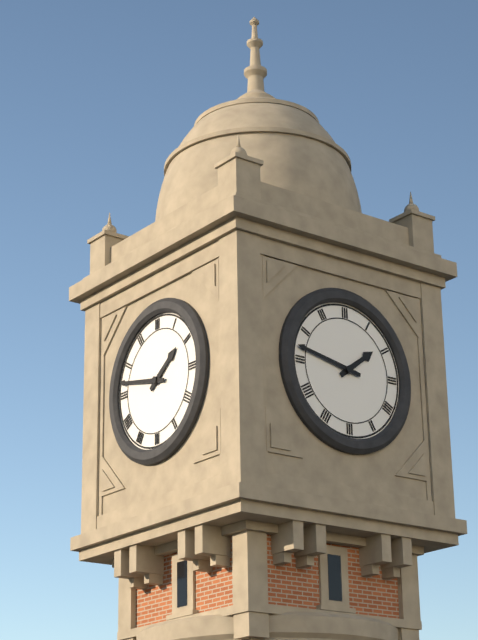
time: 1:47
